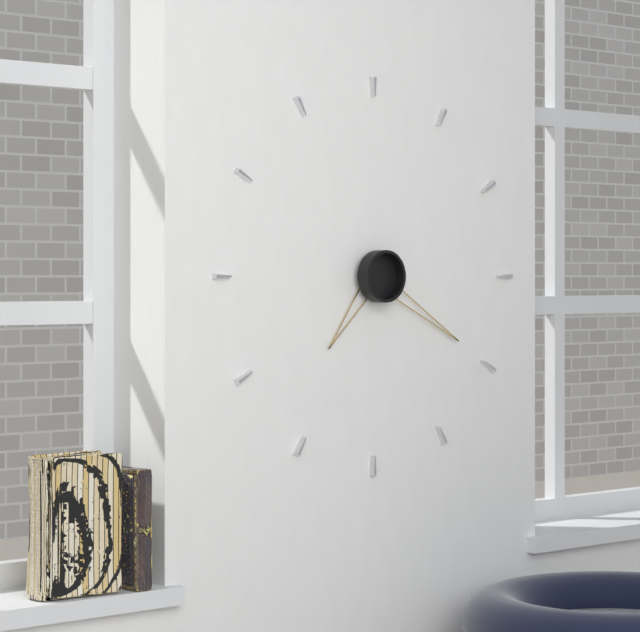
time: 7:20
